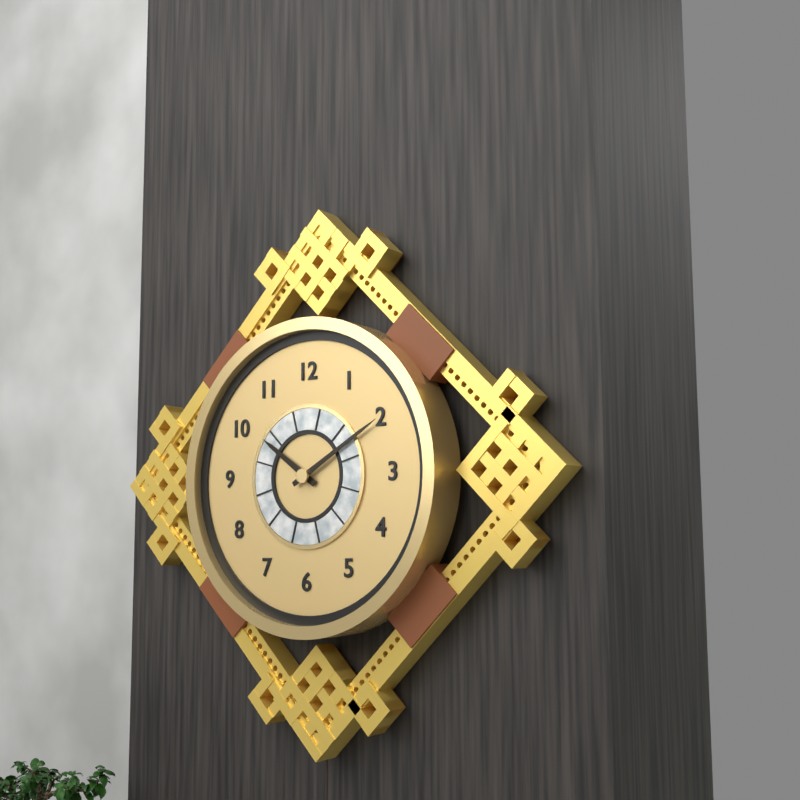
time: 10:10
